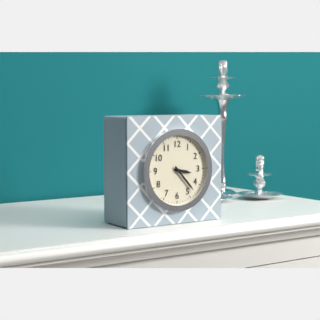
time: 3:23
